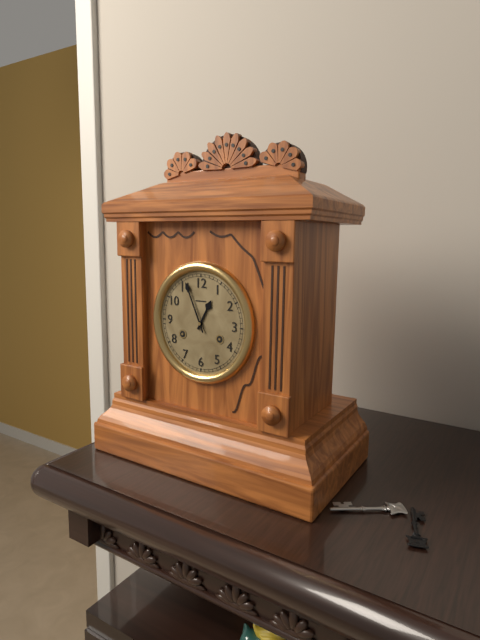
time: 12:56
